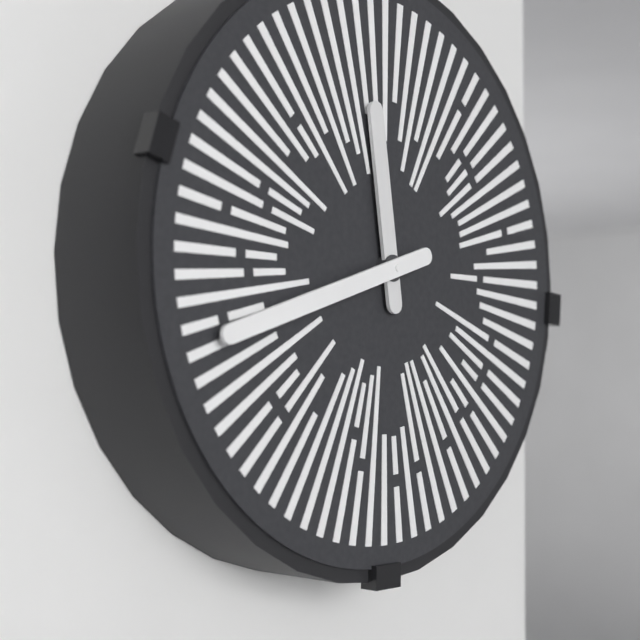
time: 11:42
